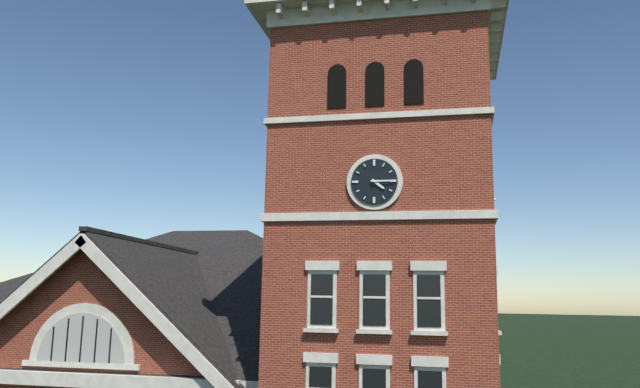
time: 4:15
